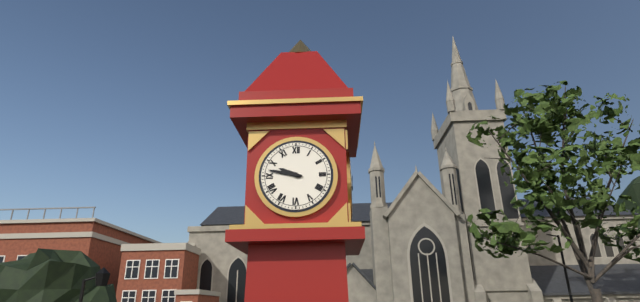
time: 9:47
